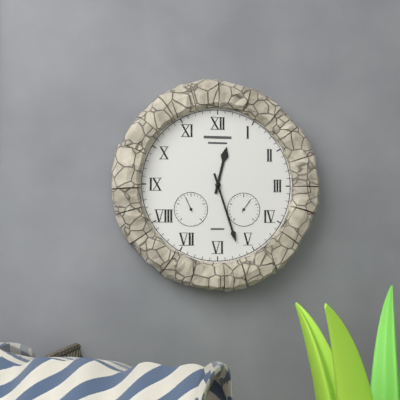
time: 12:27
